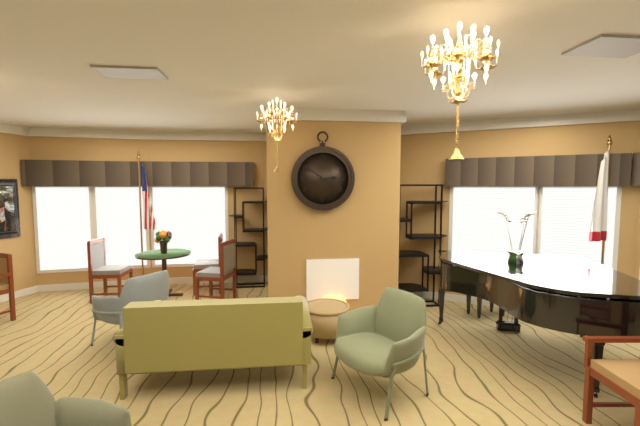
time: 2:51
